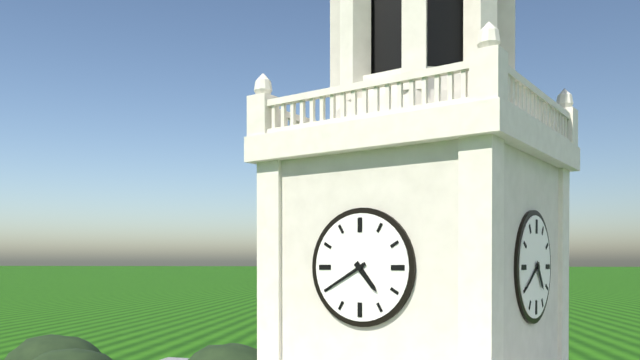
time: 4:40
